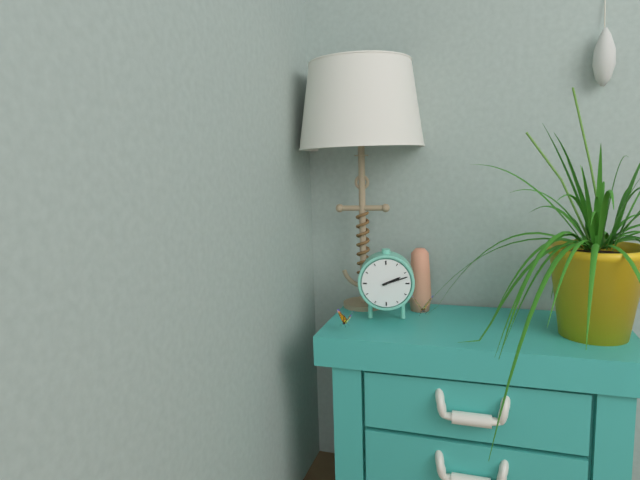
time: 2:12
